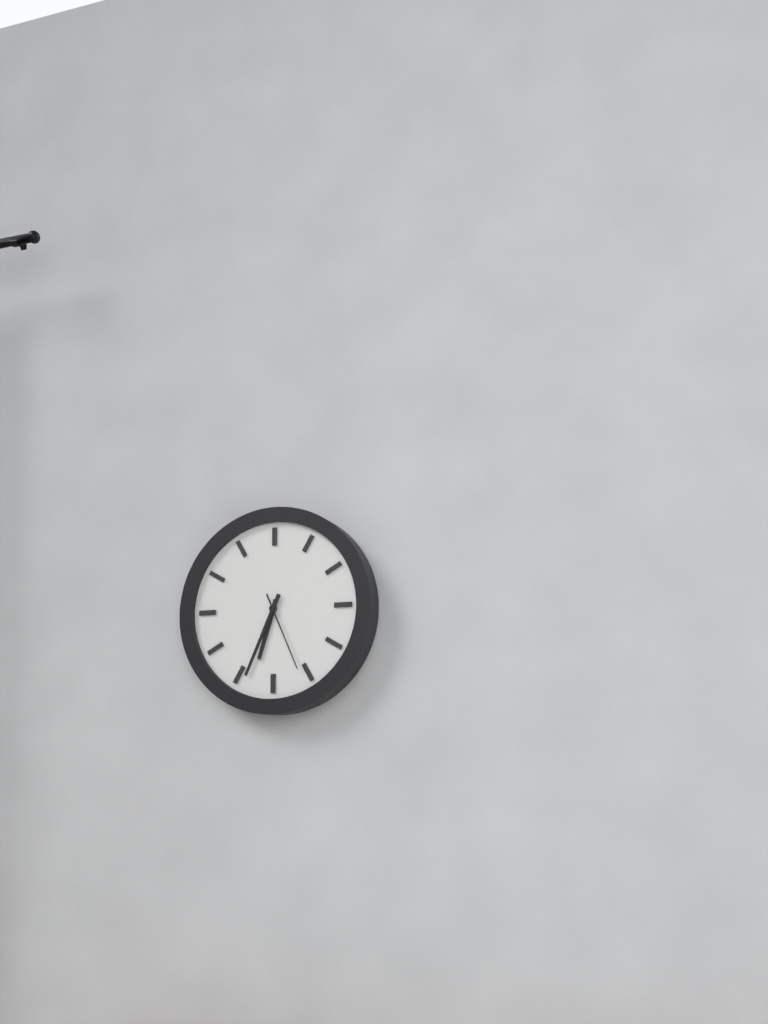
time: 6:34:26
